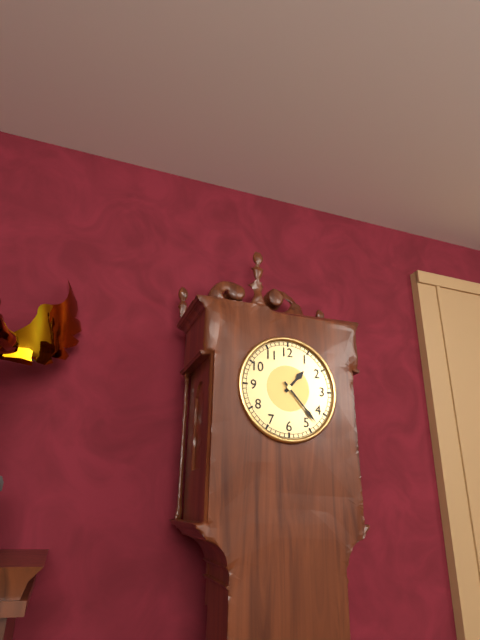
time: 1:23
